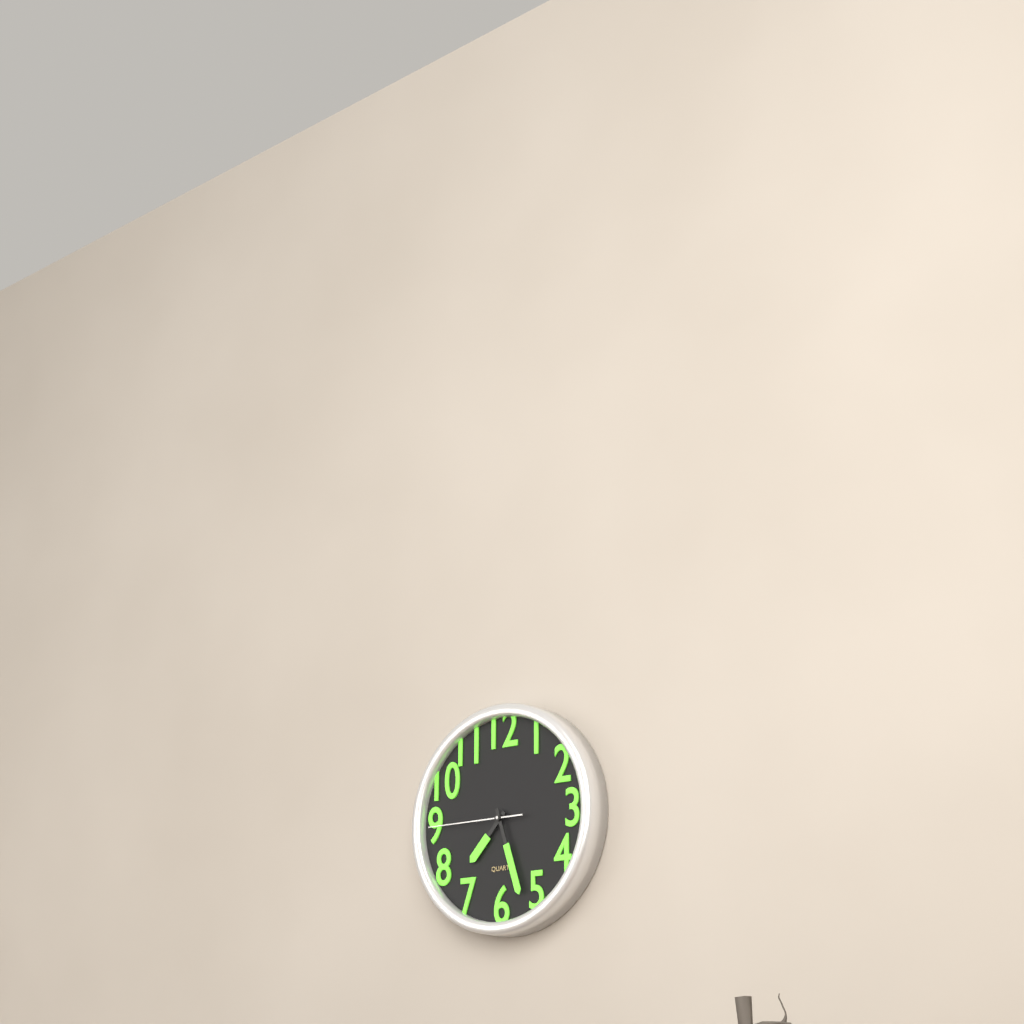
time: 7:27:45
